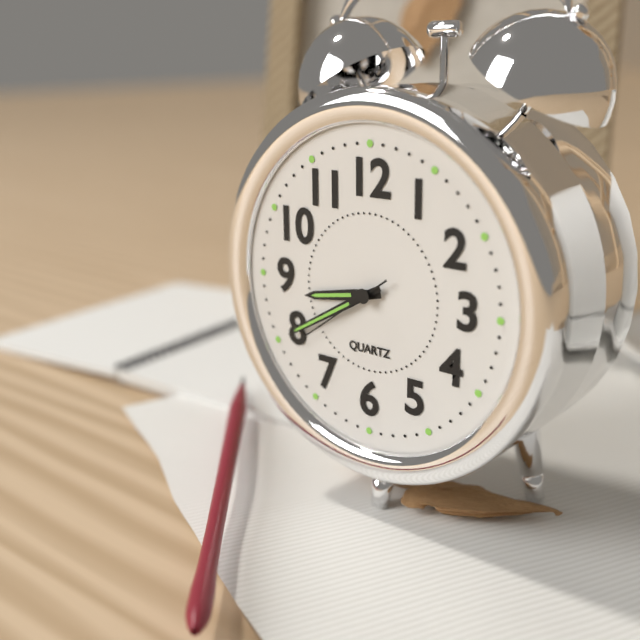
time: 8:40:39
